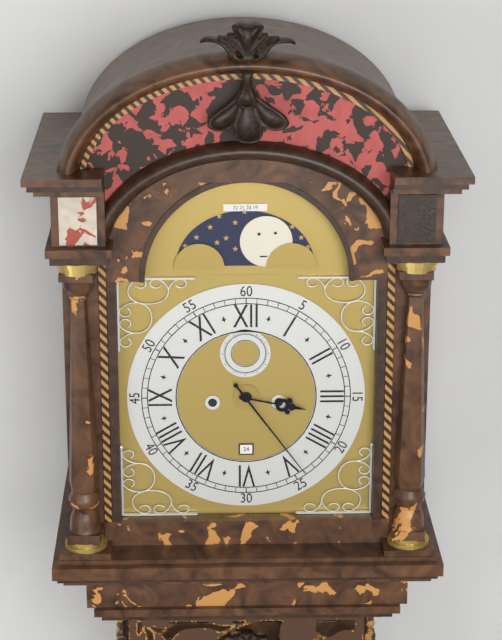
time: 3:24
